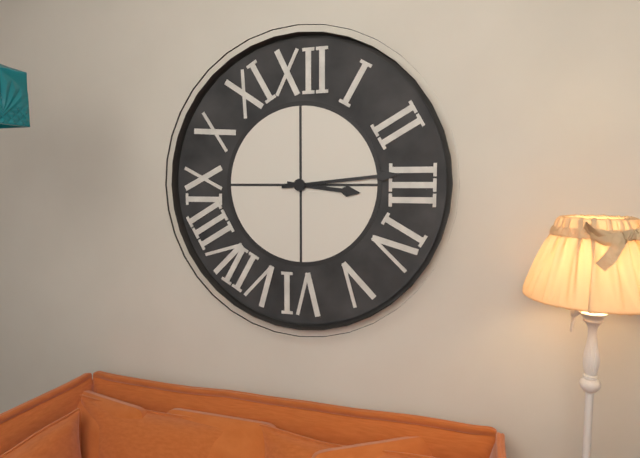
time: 3:14
